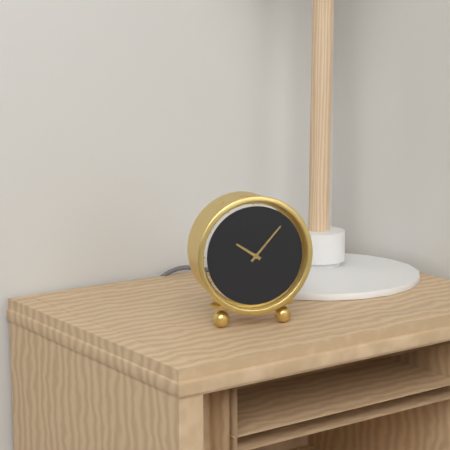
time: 10:07
